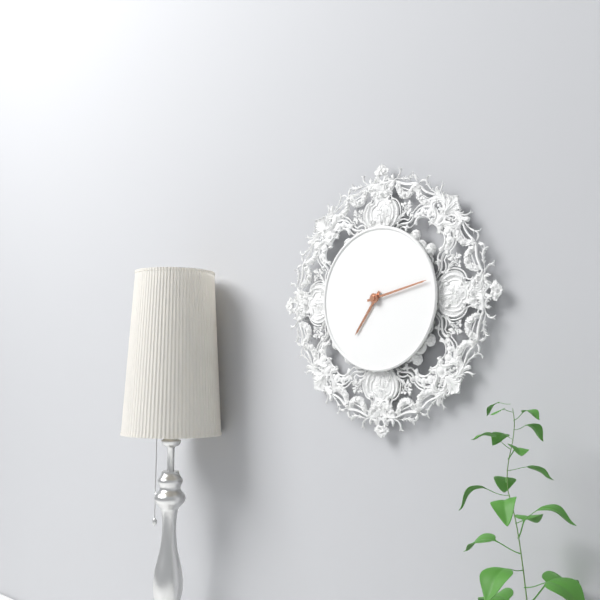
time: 7:13
